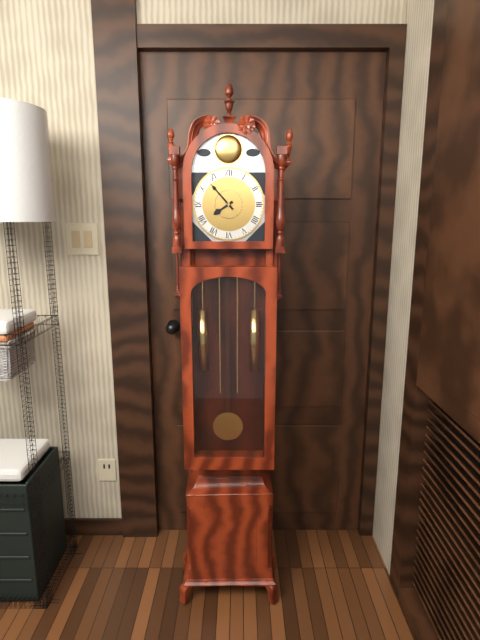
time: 7:53
